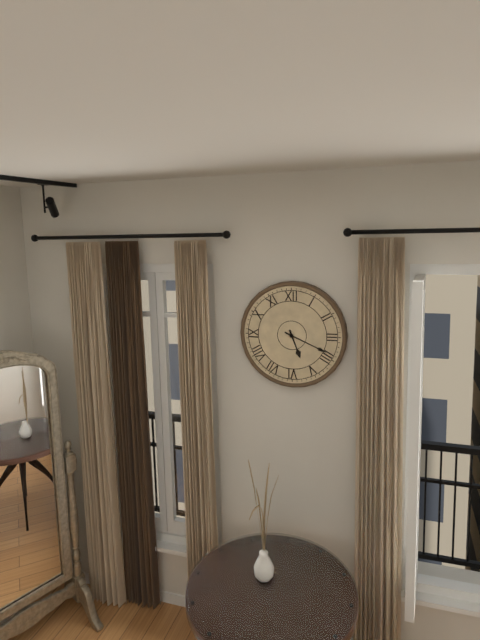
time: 5:19
